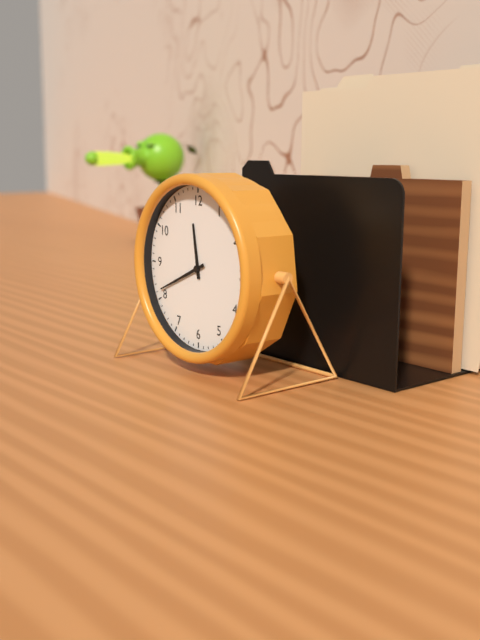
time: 11:41
